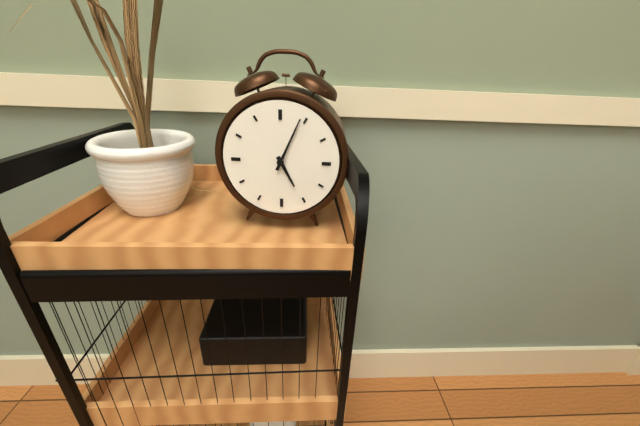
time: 5:04
